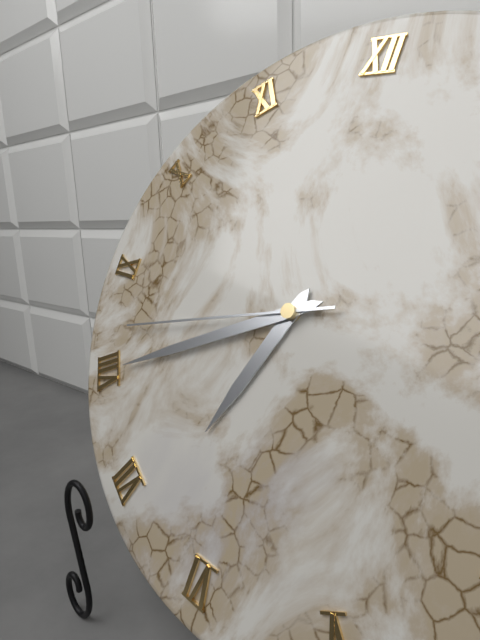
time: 6:40:42
